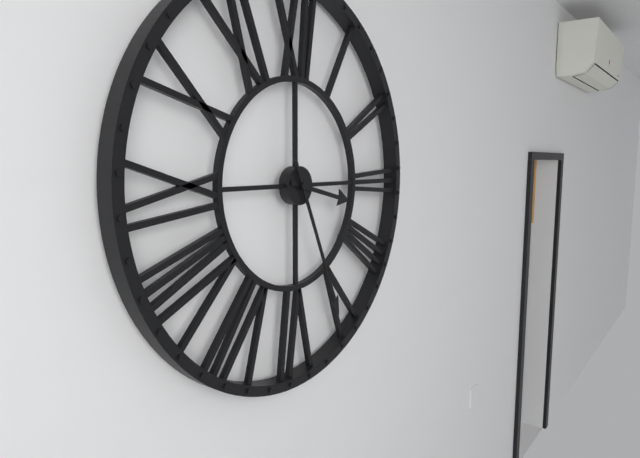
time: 3:26
